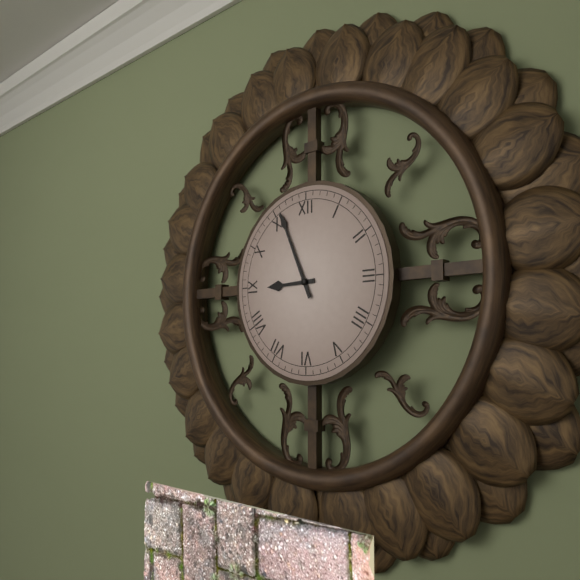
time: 8:56
